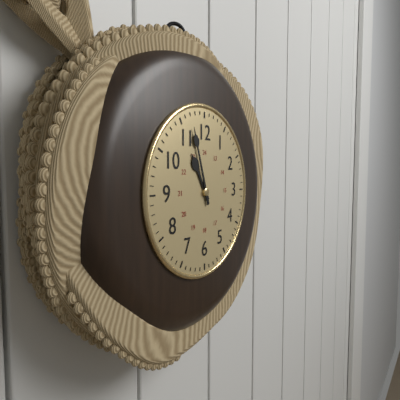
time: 10:57
